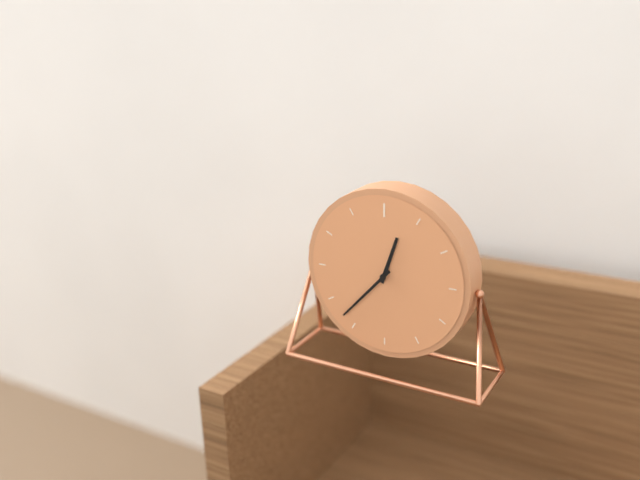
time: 12:37
